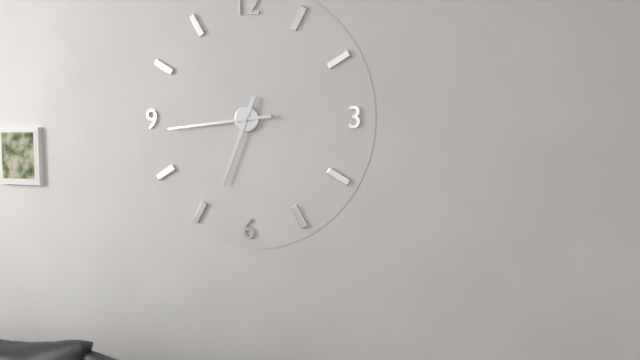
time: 6:44
